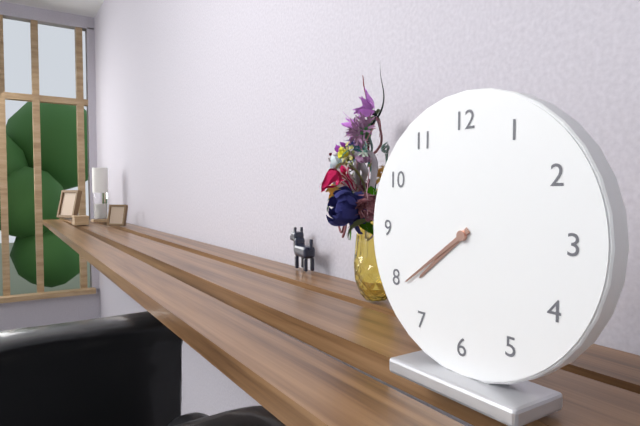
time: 7:39
